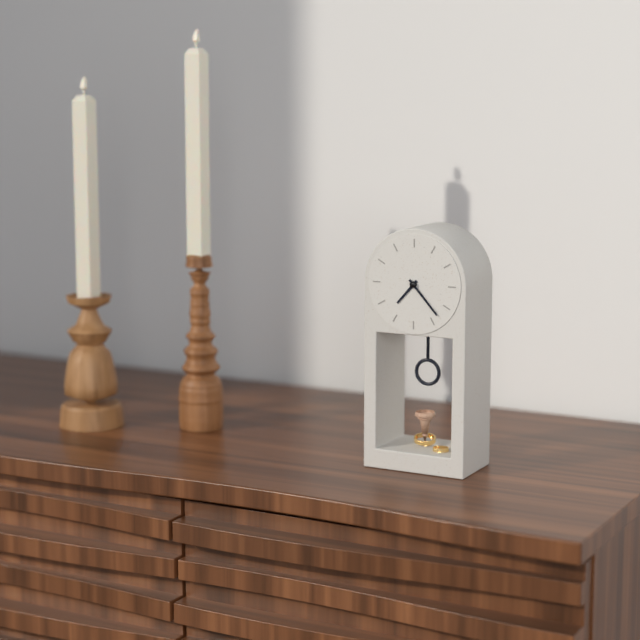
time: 7:23
